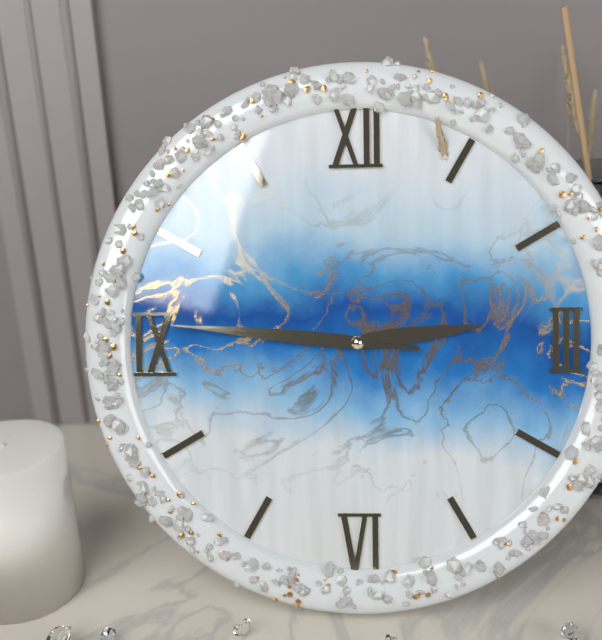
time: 2:46:46
